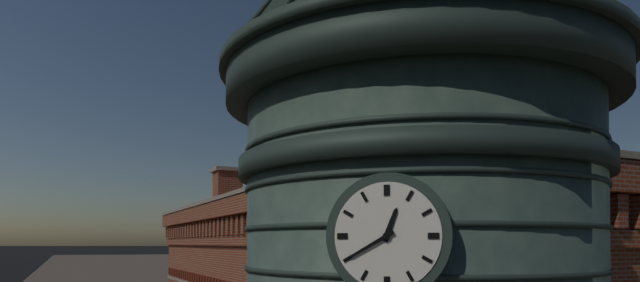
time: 12:40
